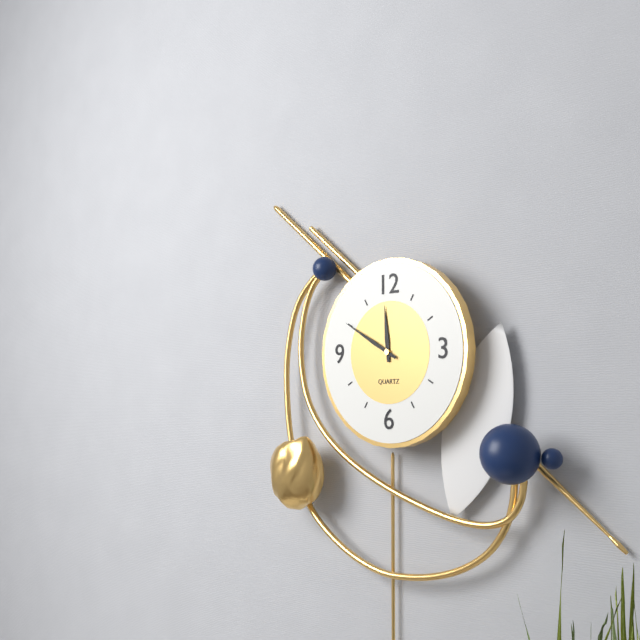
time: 11:50
